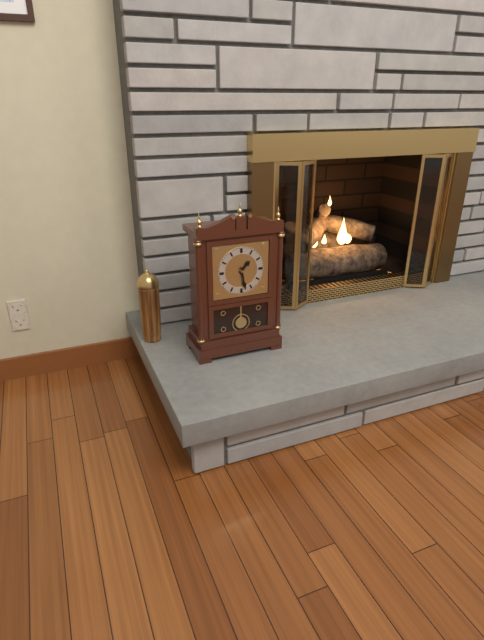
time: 1:28
